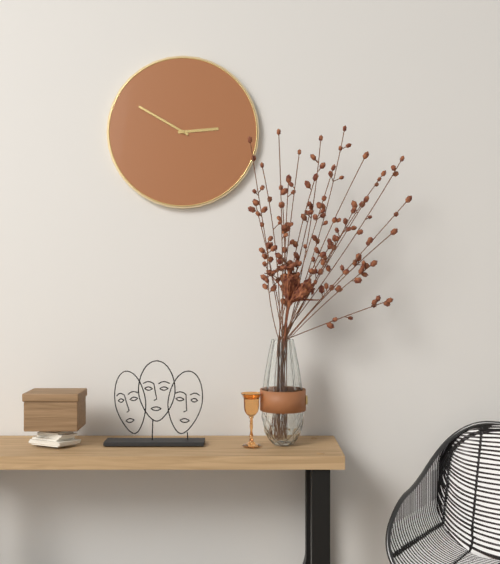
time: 2:50
